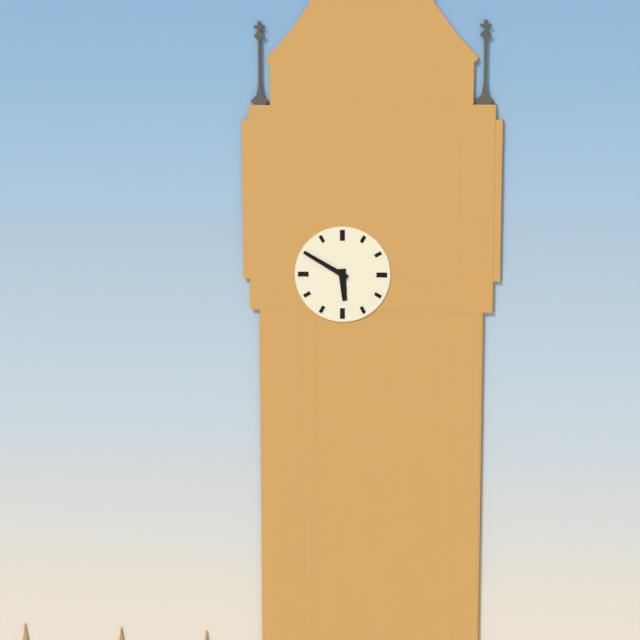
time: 5:50
